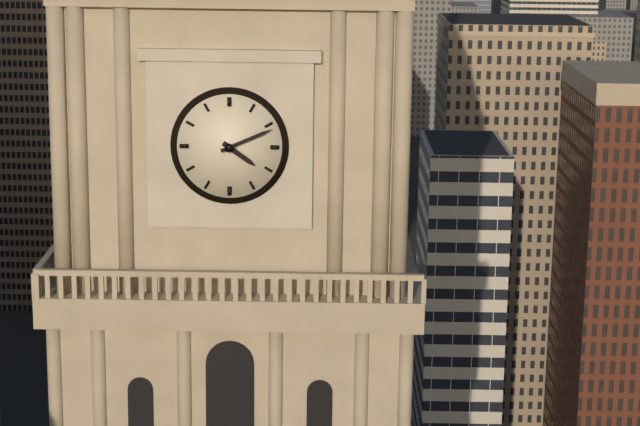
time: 4:11
